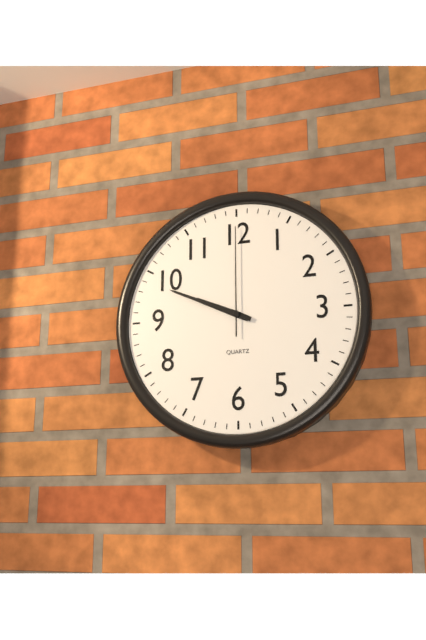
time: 9:49:00
